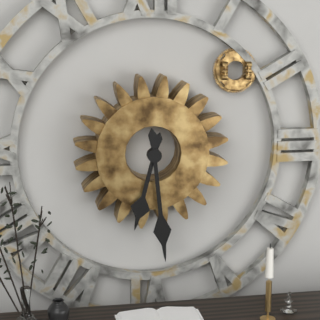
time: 6:29
